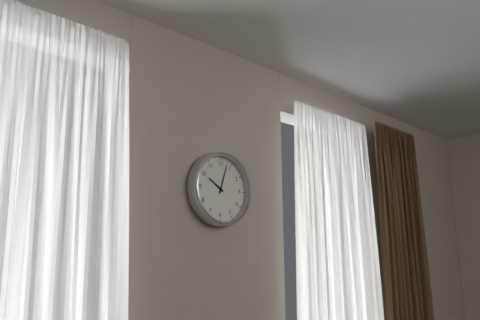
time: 10:03
